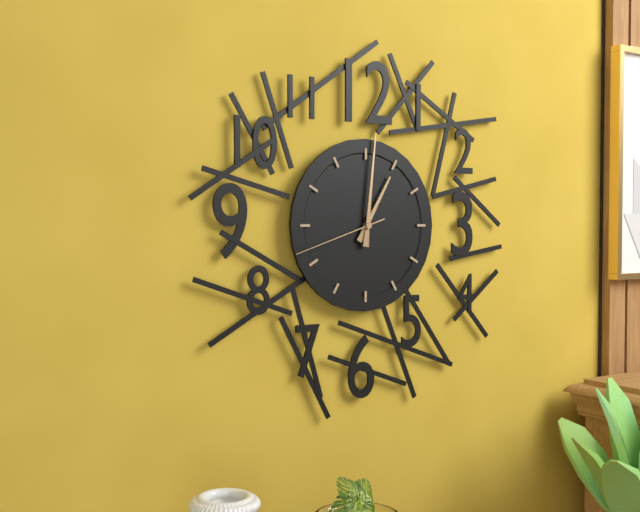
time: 1:01:42
